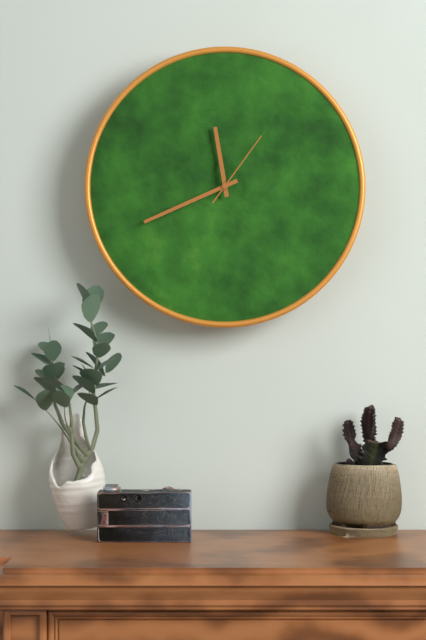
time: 11:41:06
